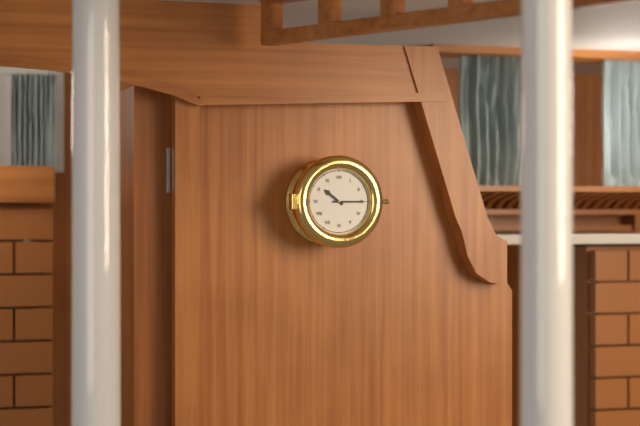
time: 10:15
